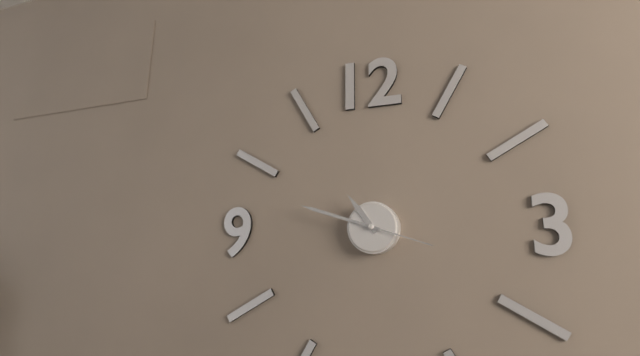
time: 10:48:18
